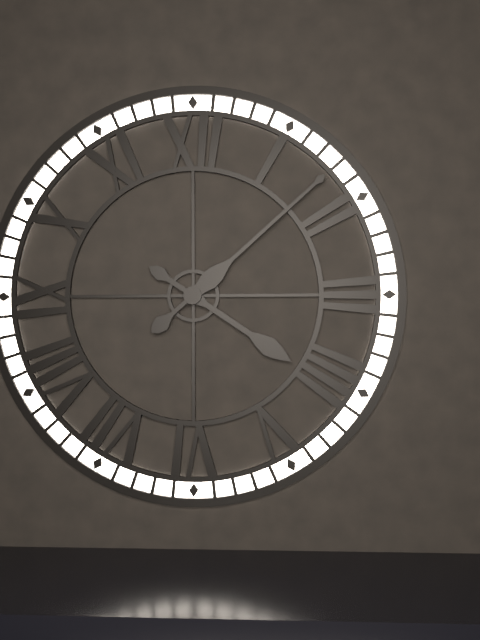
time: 4:08
